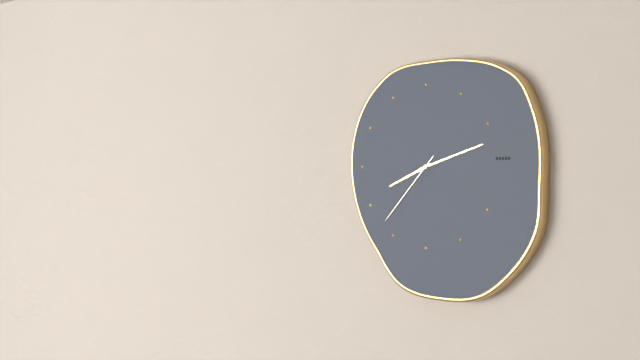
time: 8:12:37
